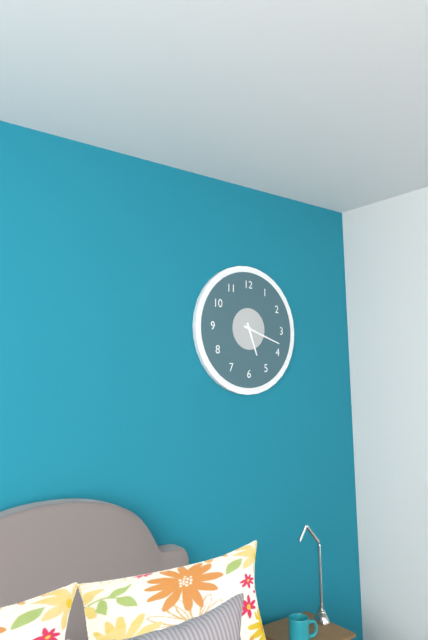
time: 5:18
